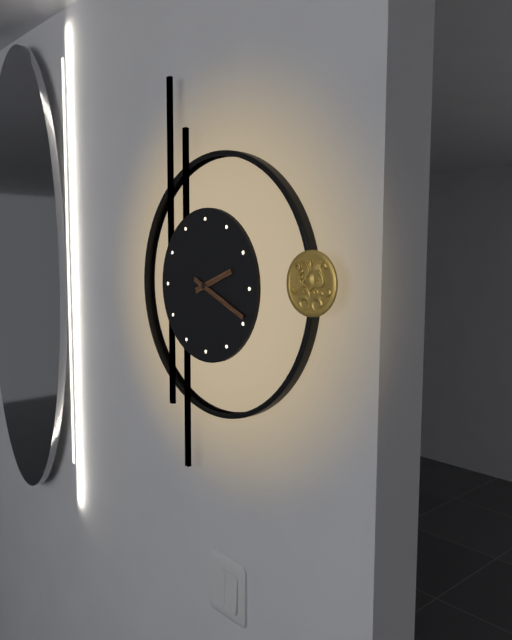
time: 2:19
